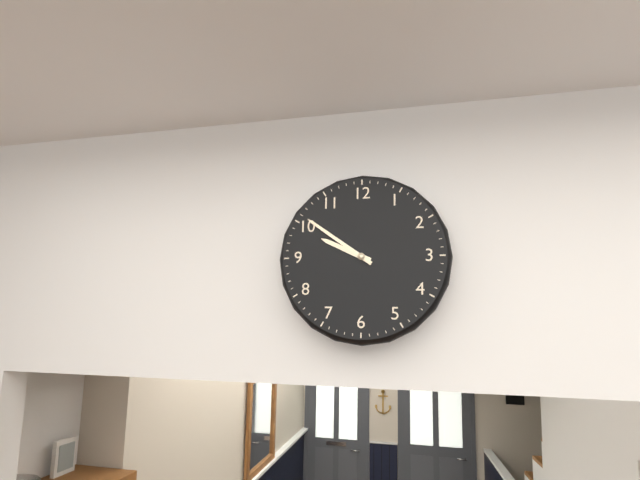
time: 9:51
